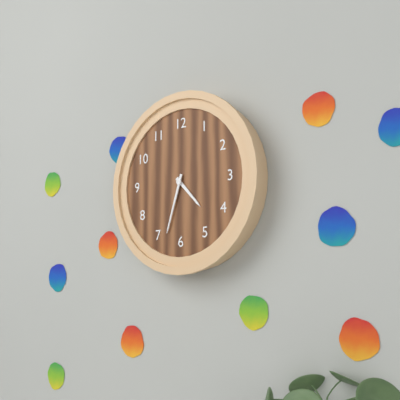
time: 4:33
